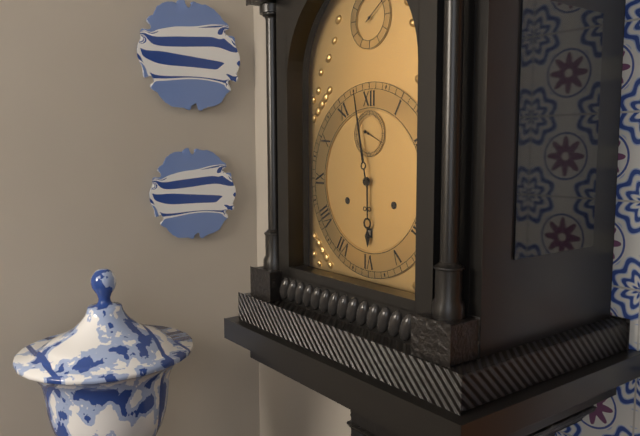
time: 5:58
